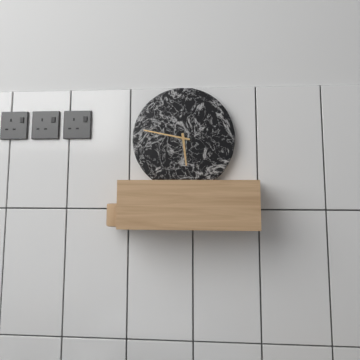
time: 5:47
